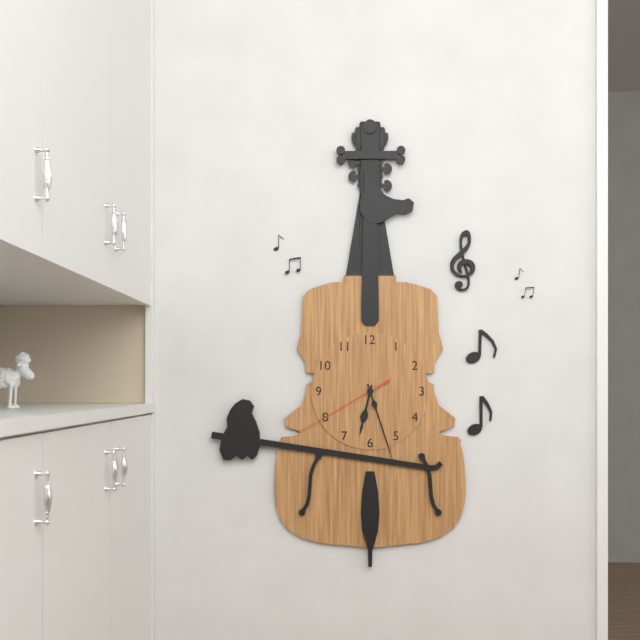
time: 6:27:40
